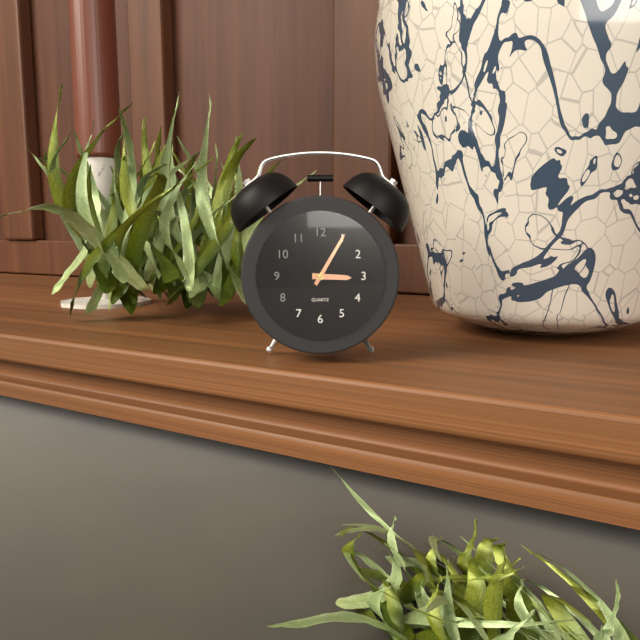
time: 3:05
